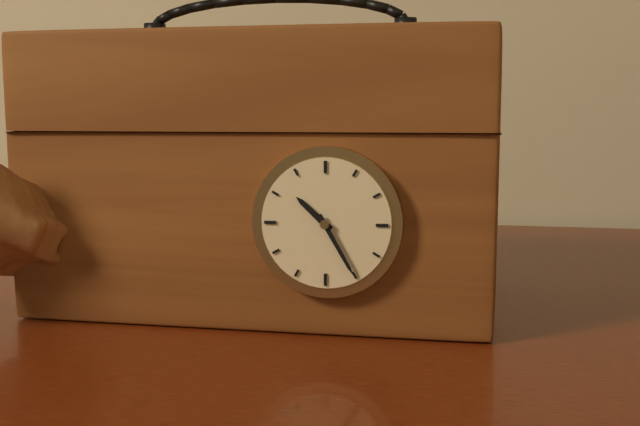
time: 10:25
